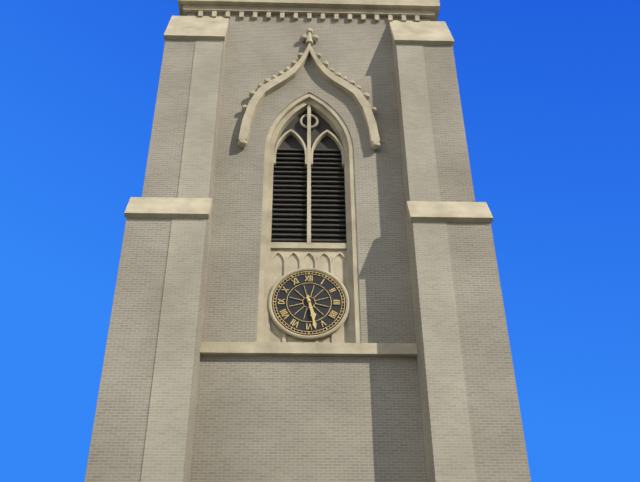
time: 5:28
